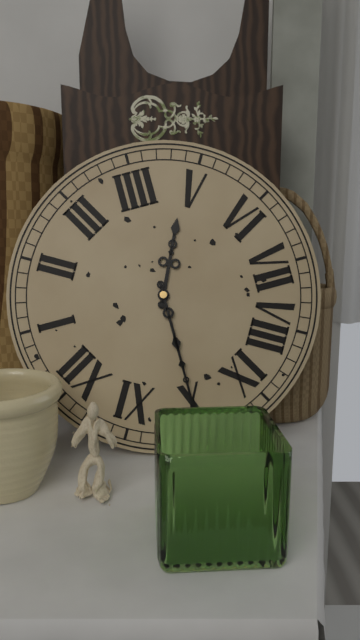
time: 4:50
